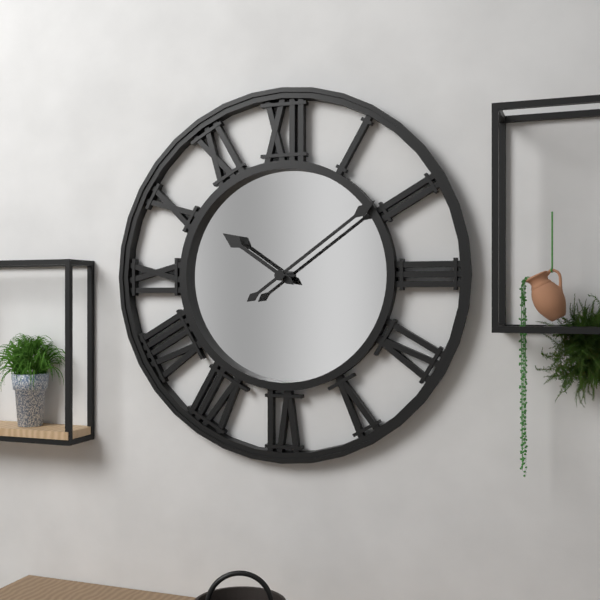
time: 10:09
